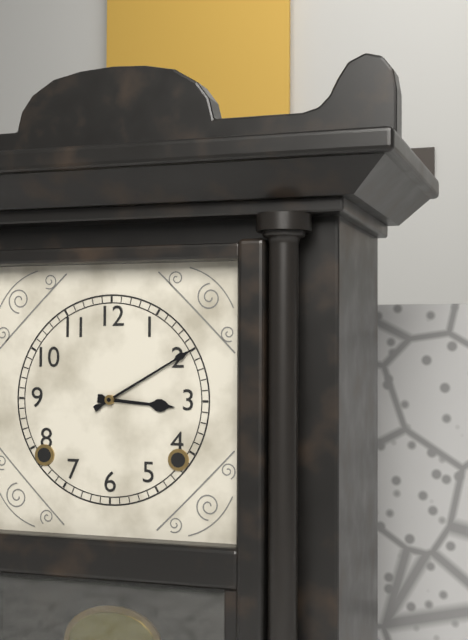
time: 3:10
